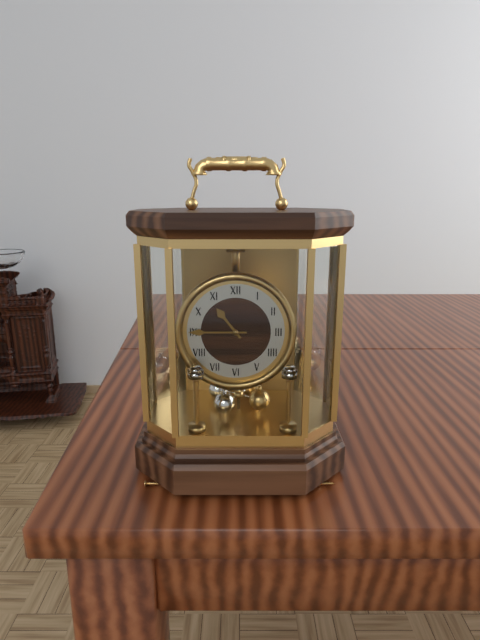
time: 10:45
